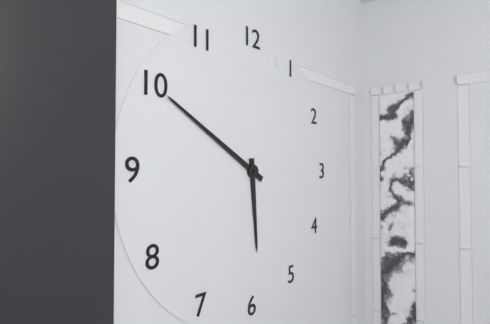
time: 5:50
